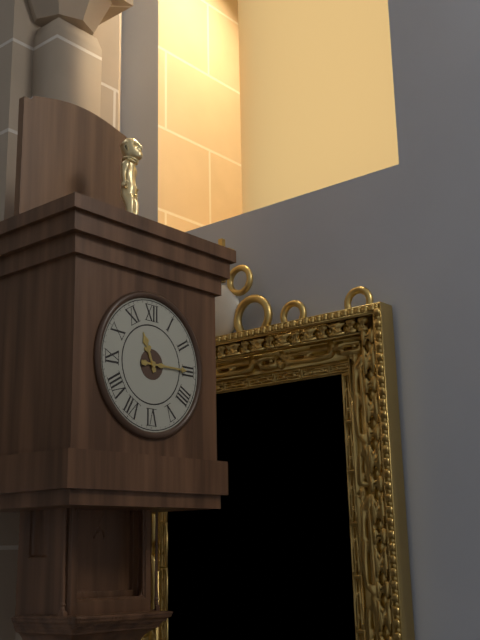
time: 11:15
